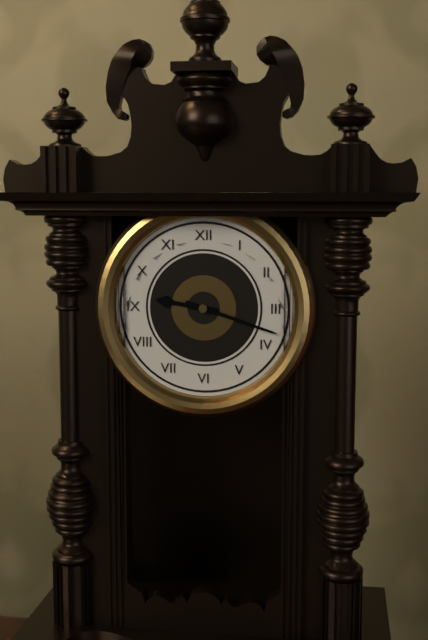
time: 9:18
